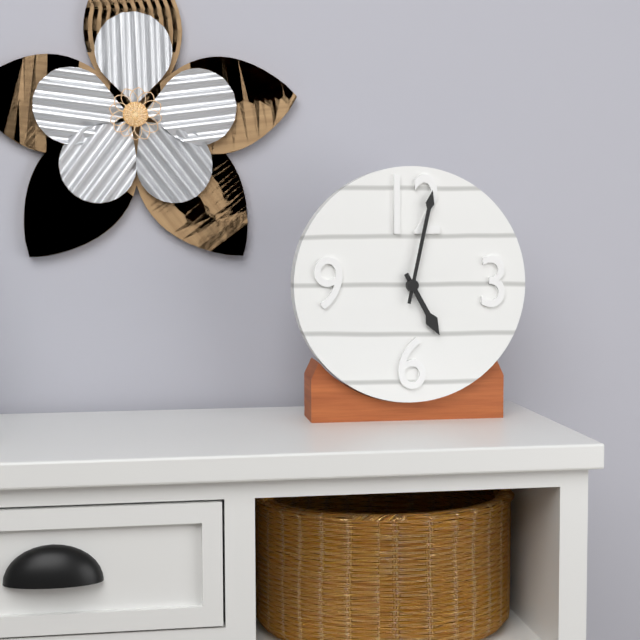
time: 5:02
